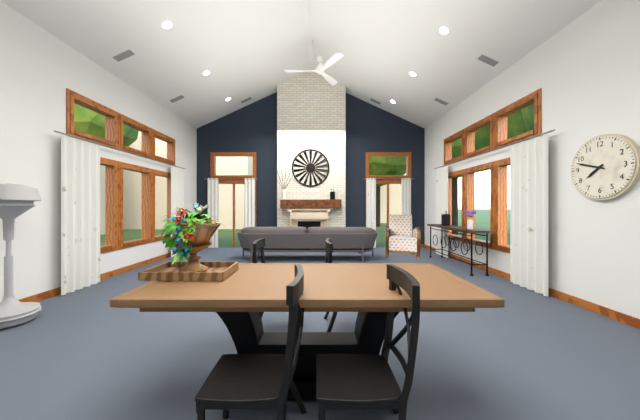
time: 7:48
